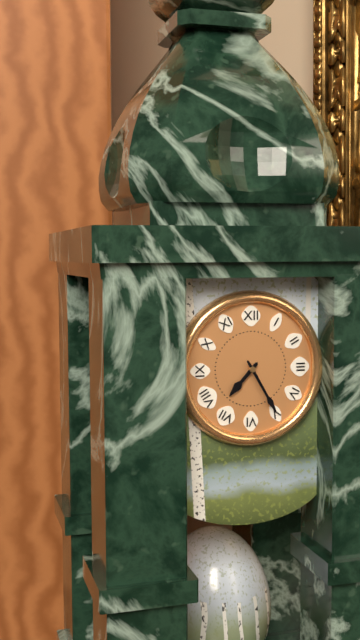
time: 7:25
